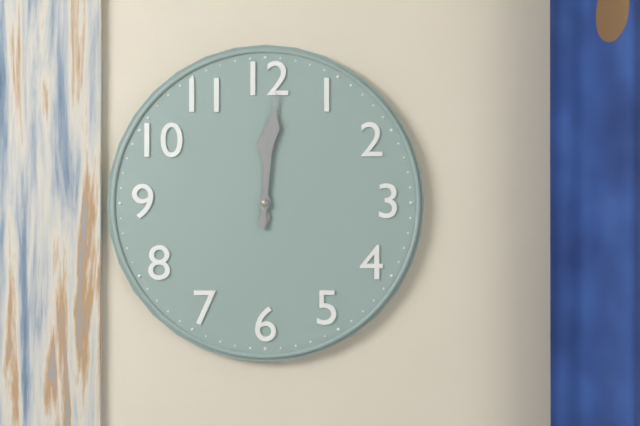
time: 12:01
